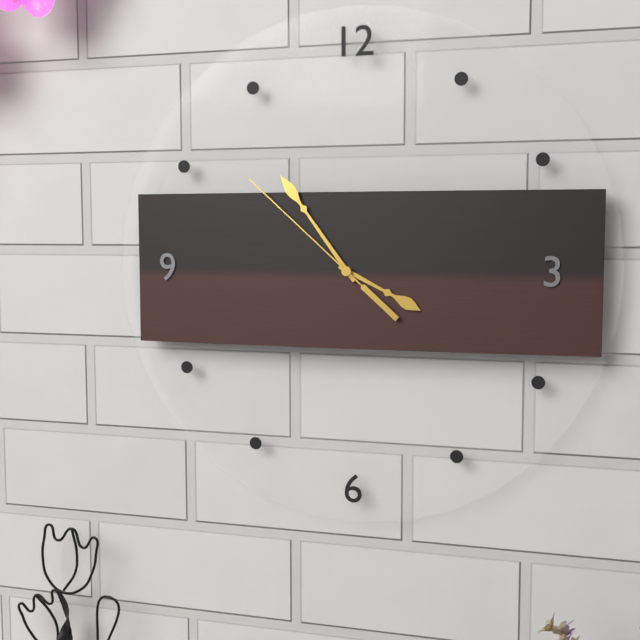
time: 3:54:52
